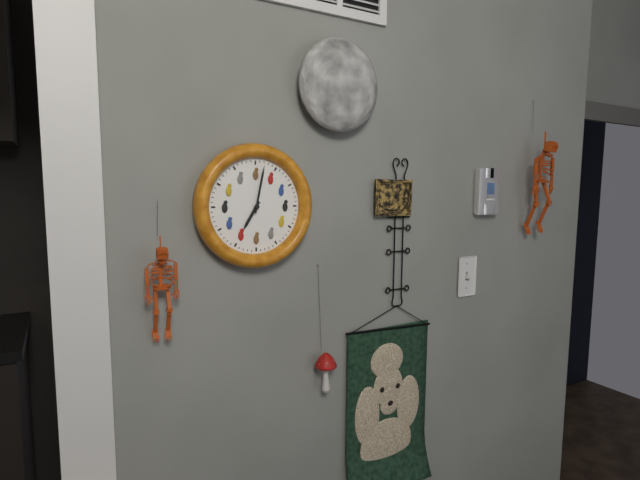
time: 7:02
